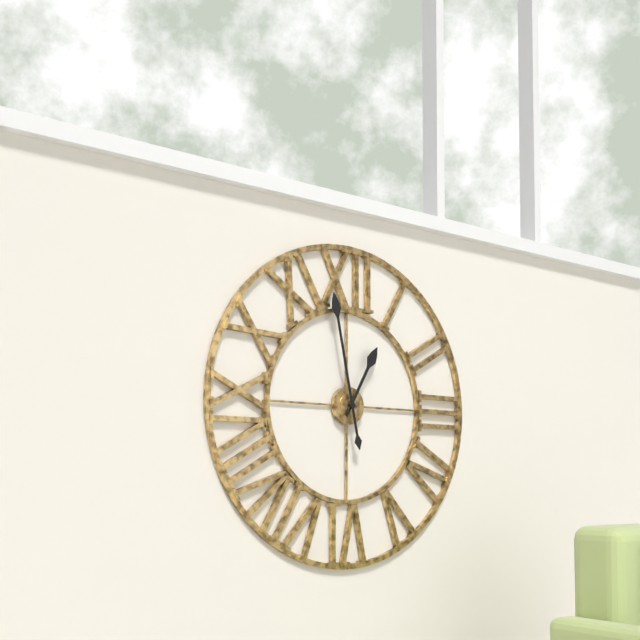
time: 12:58
